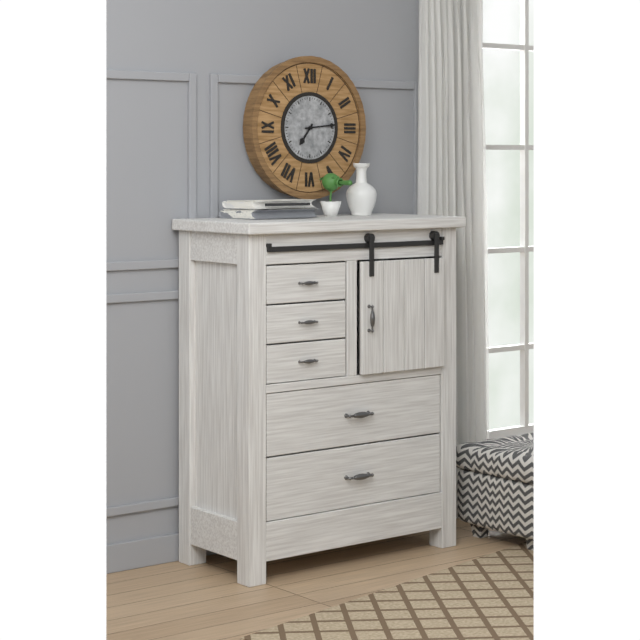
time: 7:14
